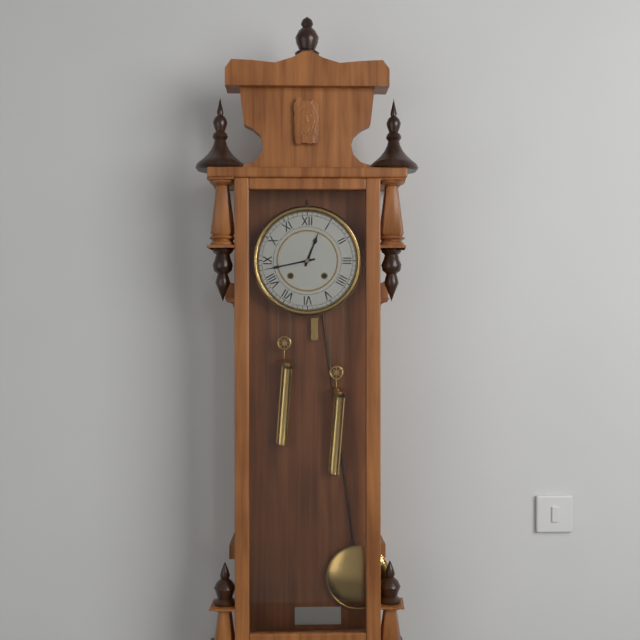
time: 12:43
